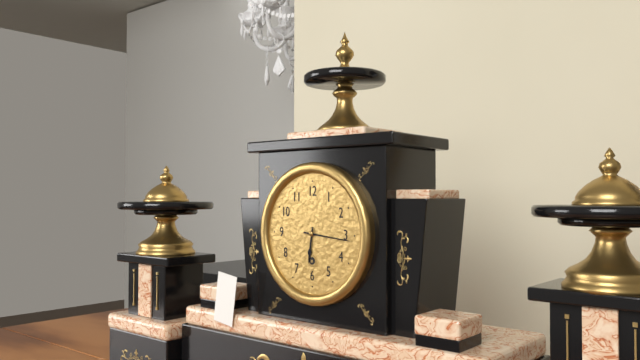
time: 6:16
